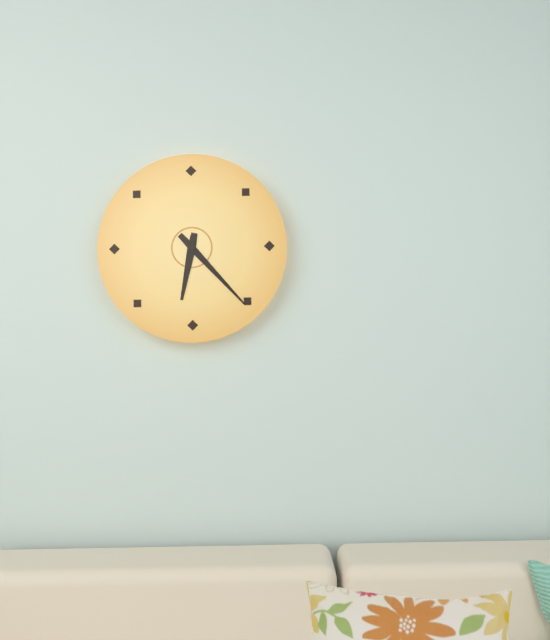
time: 6:23
